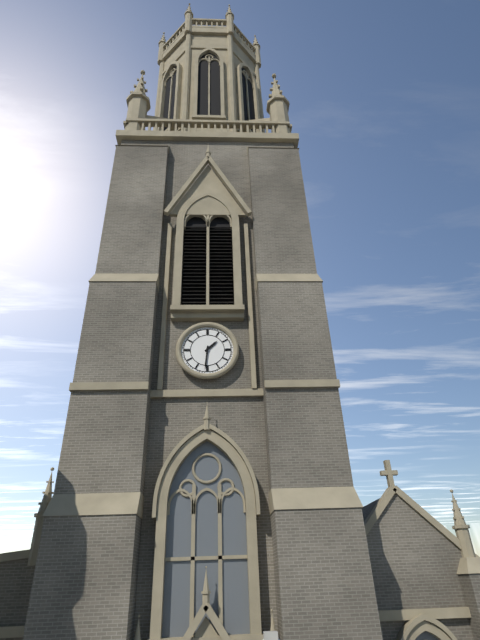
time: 1:31
